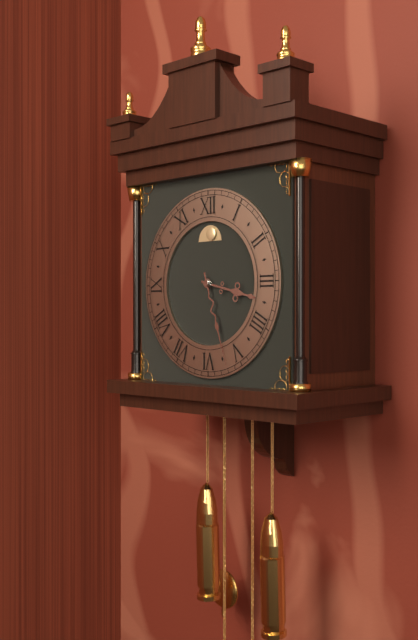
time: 3:27
